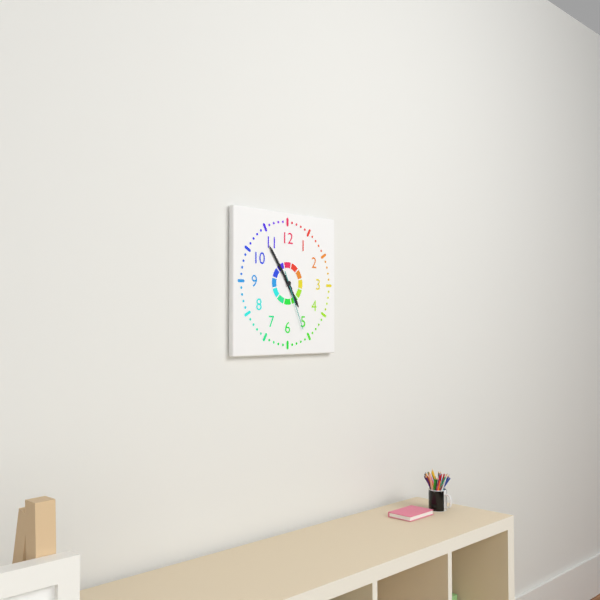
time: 4:54:26
